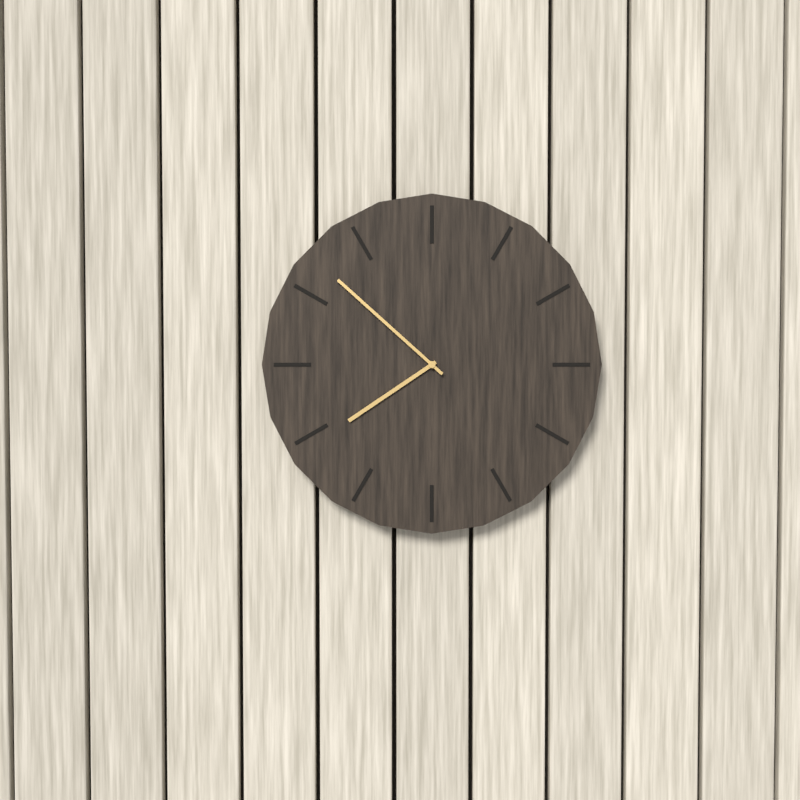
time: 7:52
